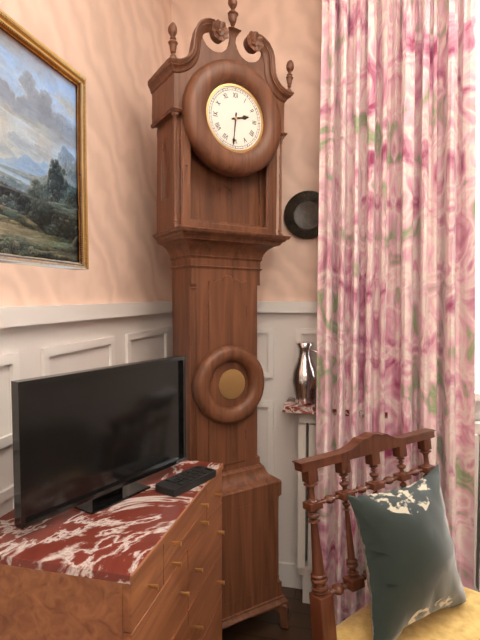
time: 2:31
